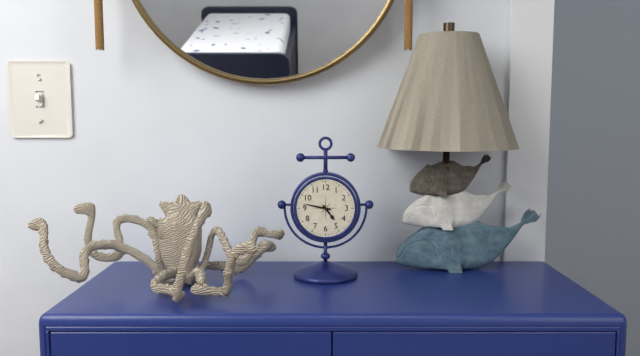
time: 4:47
